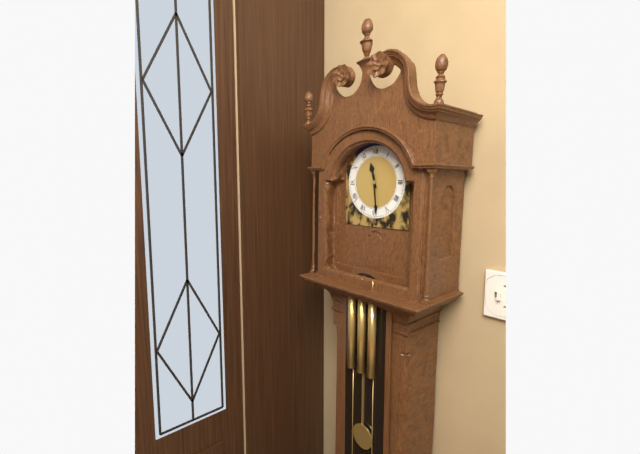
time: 11:29
